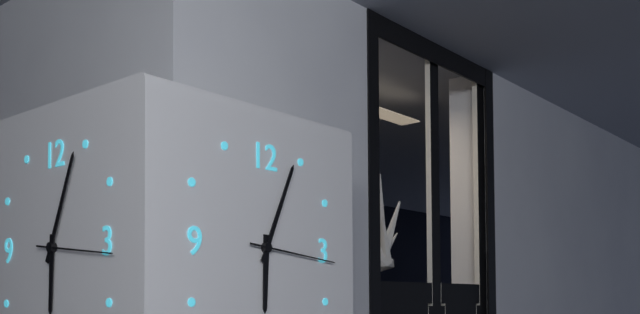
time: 6:04:16
